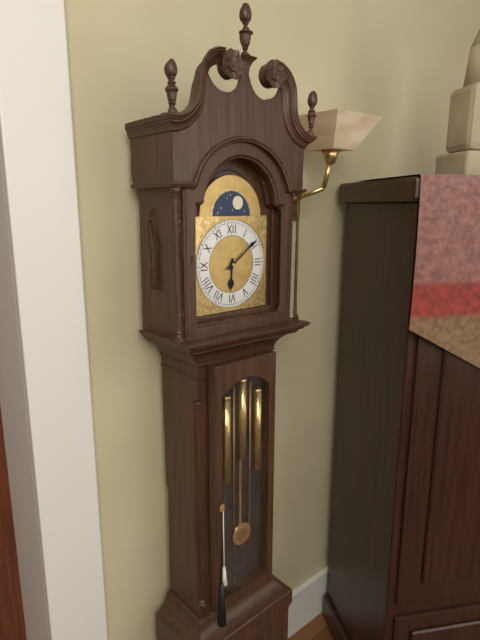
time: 6:09
